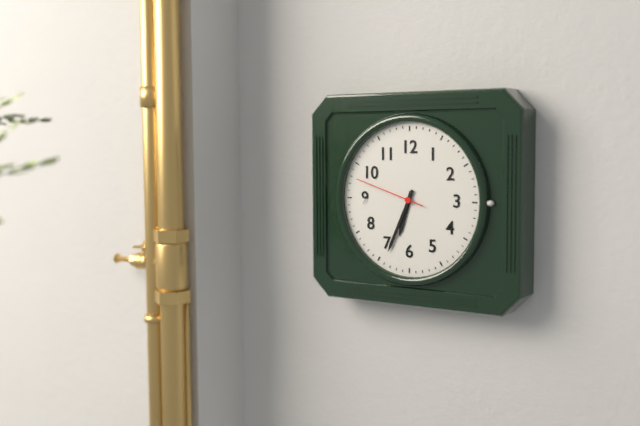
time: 6:34:48
